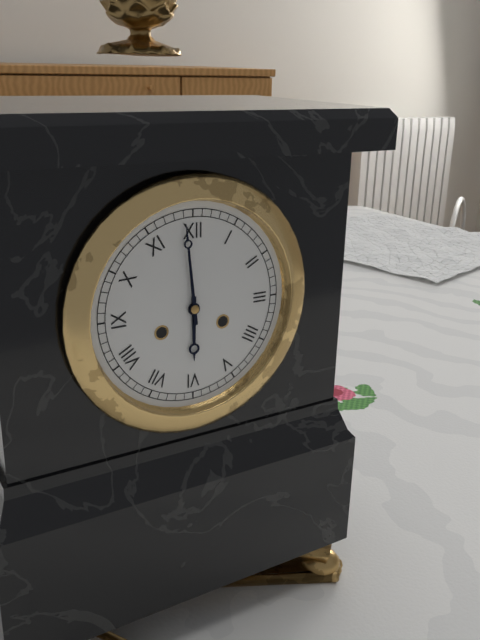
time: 5:59
